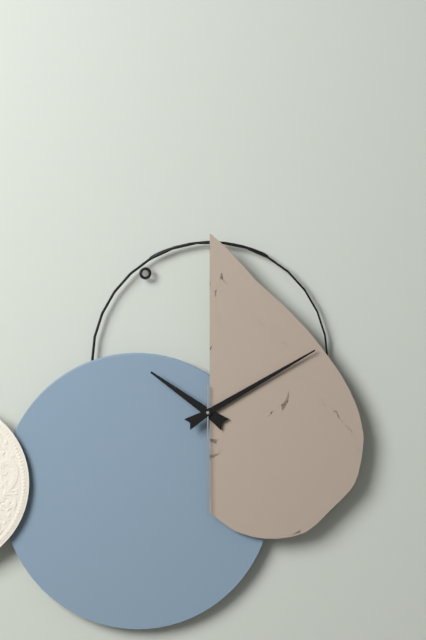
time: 10:10:30
